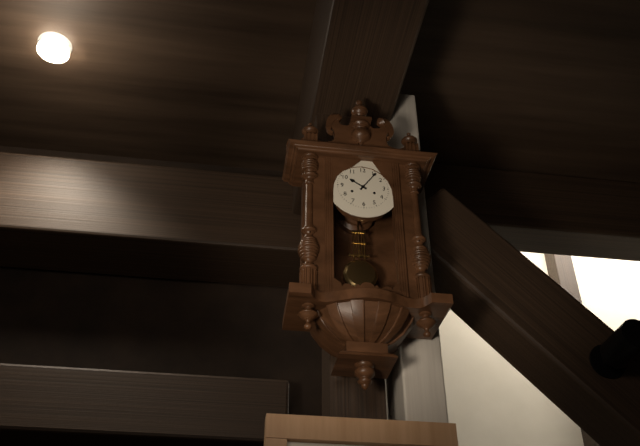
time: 10:06
